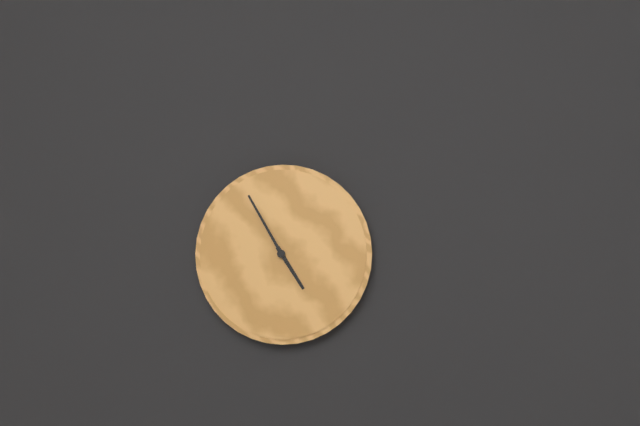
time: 4:55
